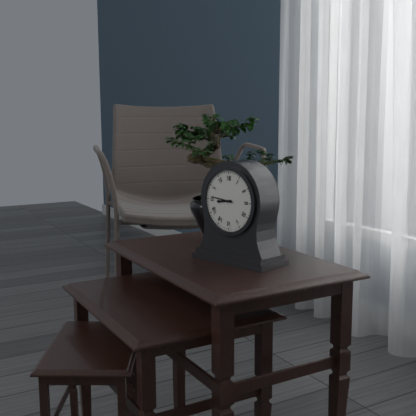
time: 8:46
